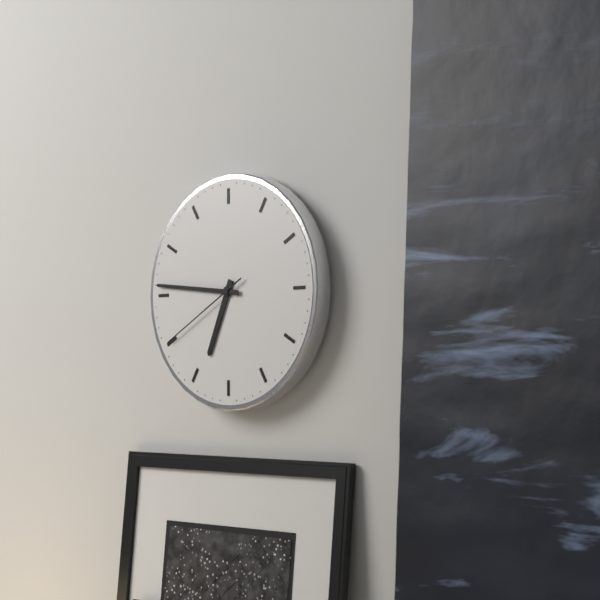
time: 6:46:40
